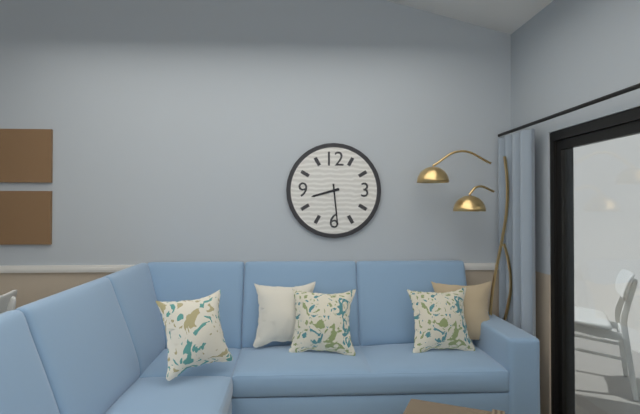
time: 8:29
